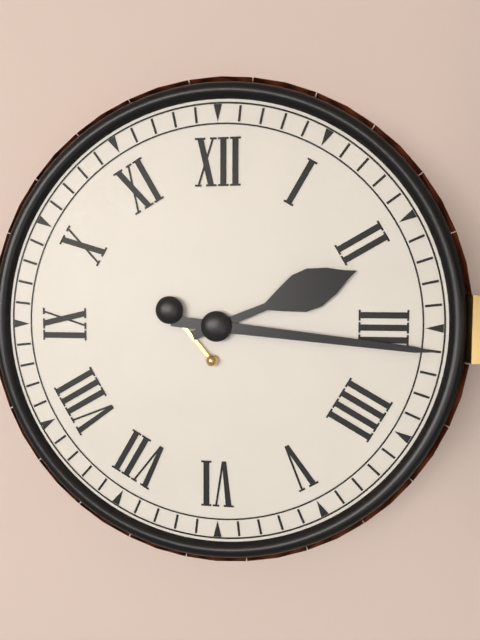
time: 2:16
